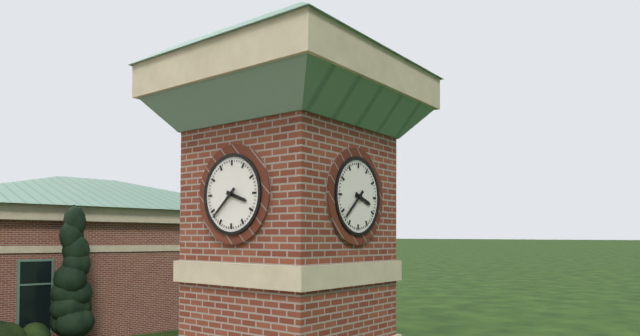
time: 3:38
